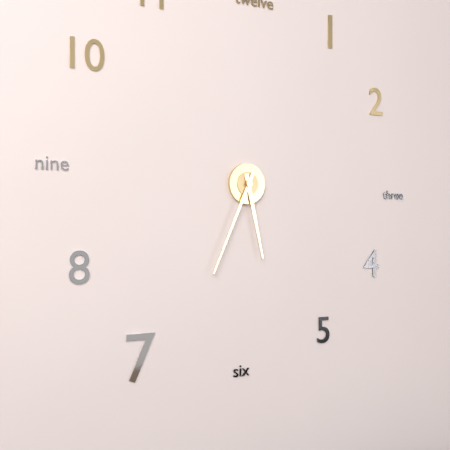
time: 5:34
